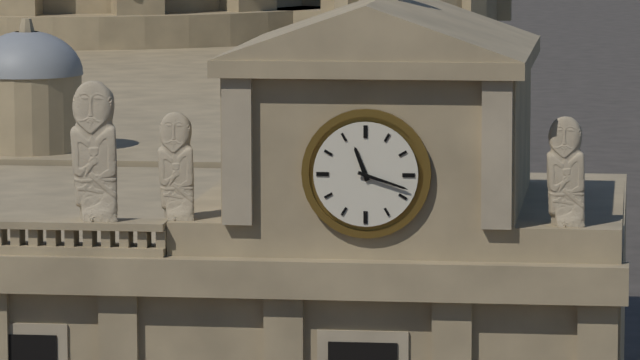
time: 11:18
